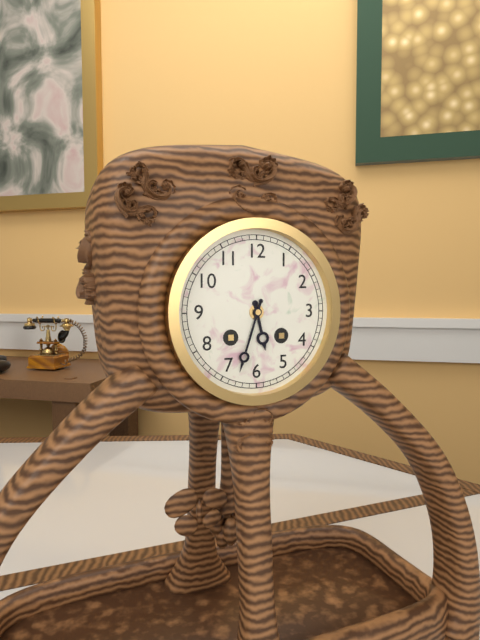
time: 5:33
